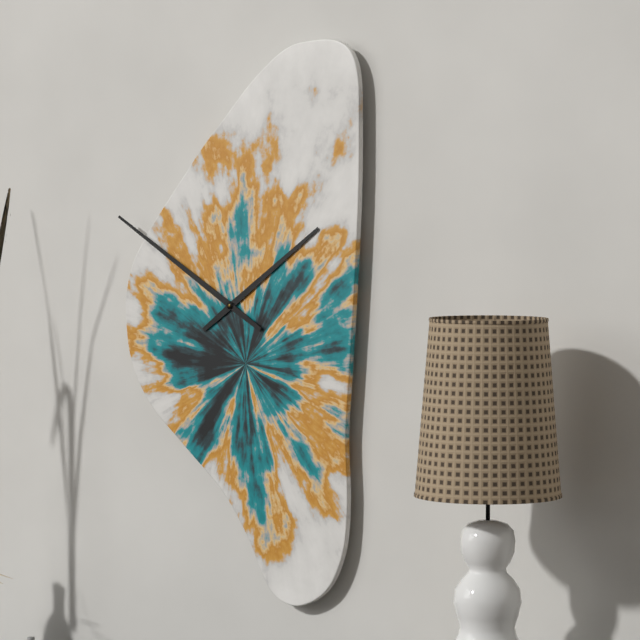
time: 1:50
